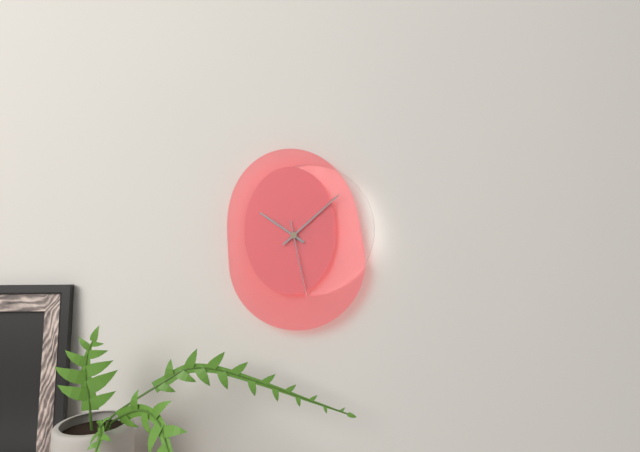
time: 10:08:28
